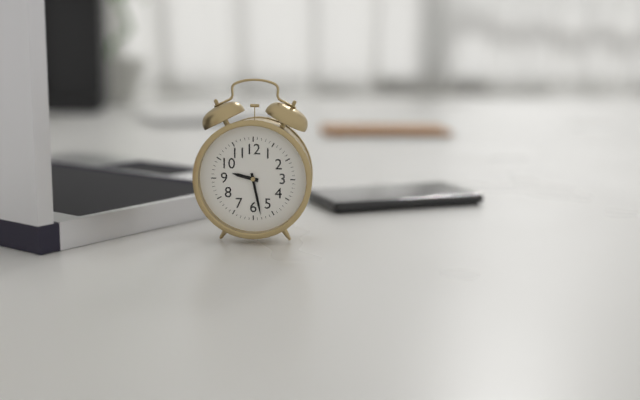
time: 9:28
